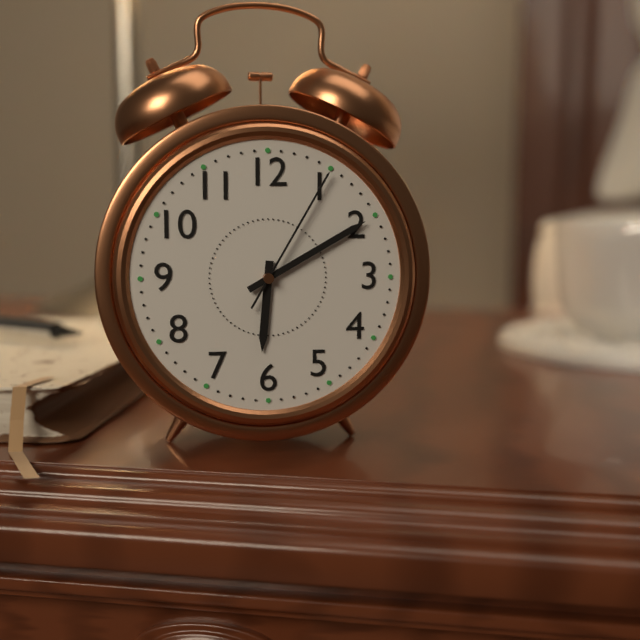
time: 6:10:05
